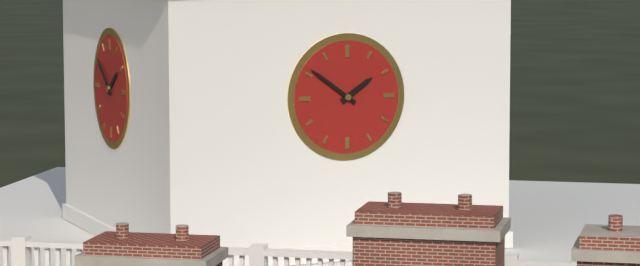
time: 1:51
